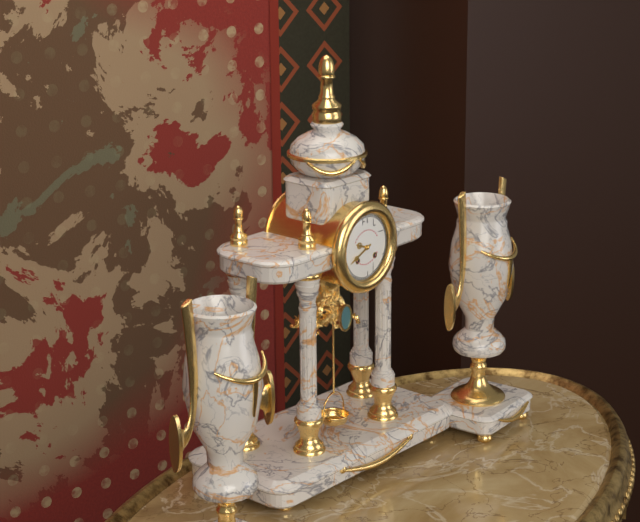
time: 9:41
